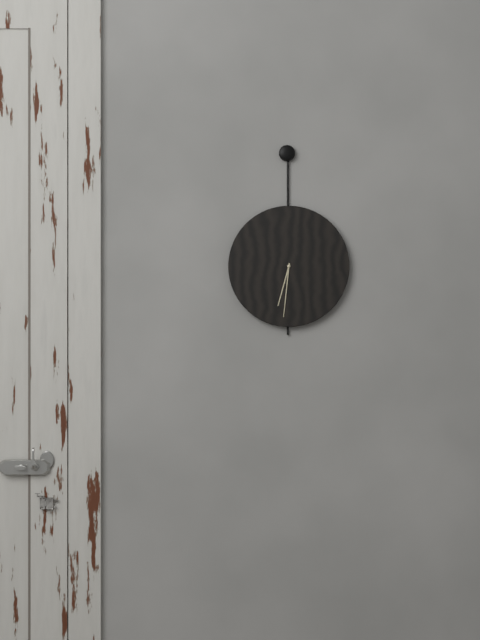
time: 6:31
